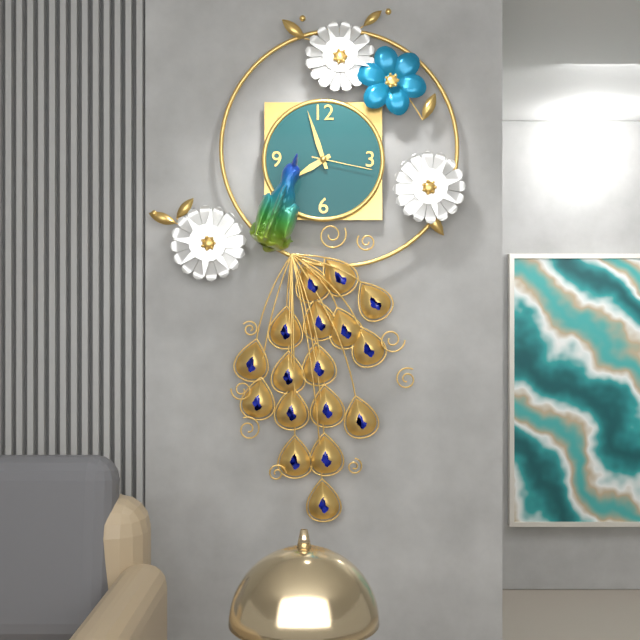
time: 7:57:17
